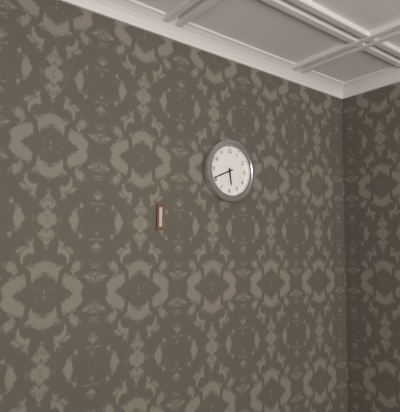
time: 5:41
